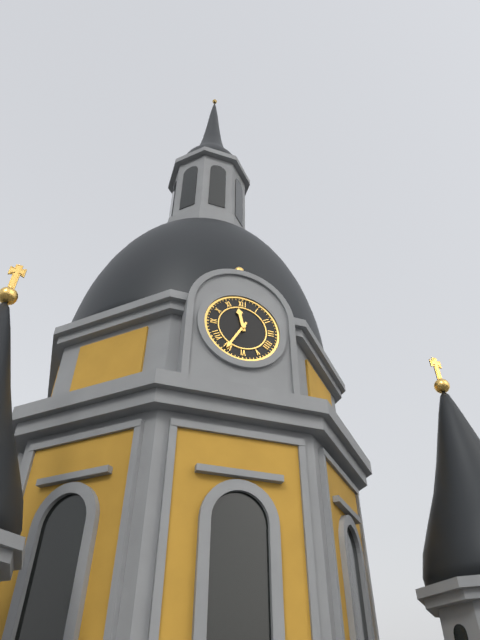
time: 11:35
